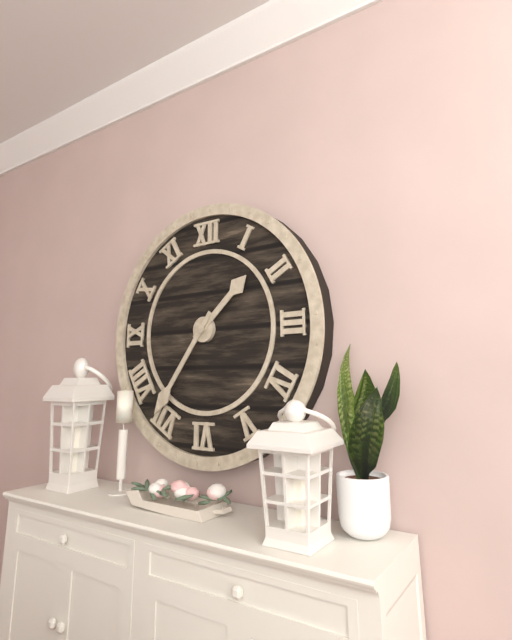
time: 1:36
